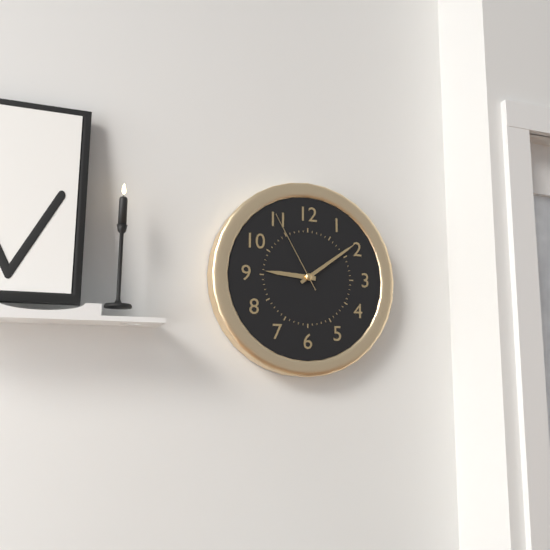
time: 9:09:55
